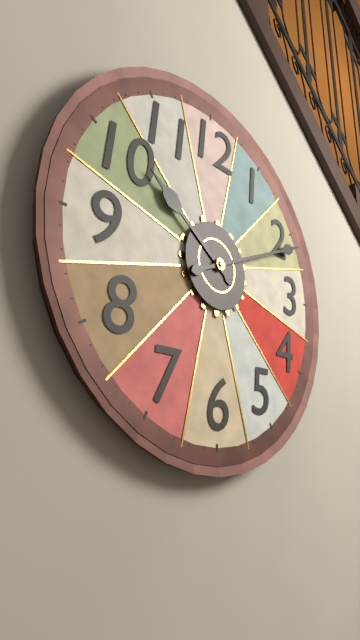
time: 10:11
